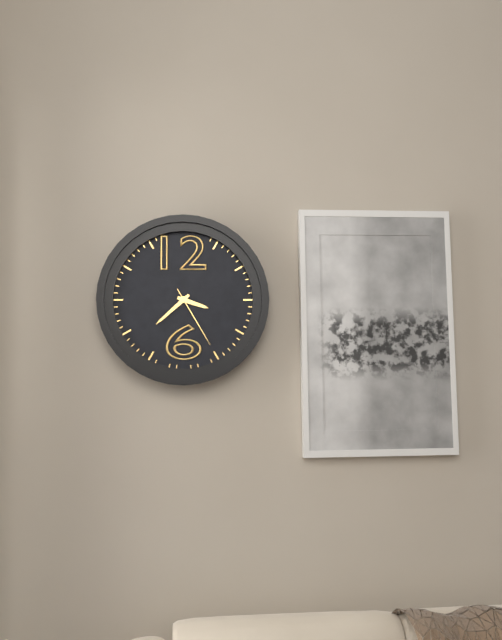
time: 3:38:25
